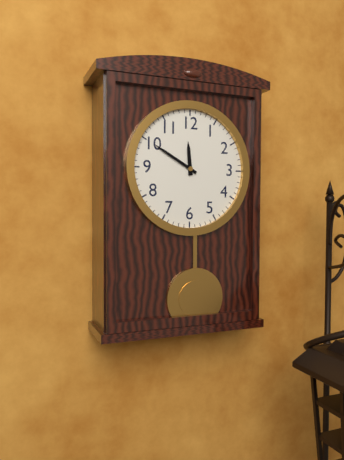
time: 11:50
